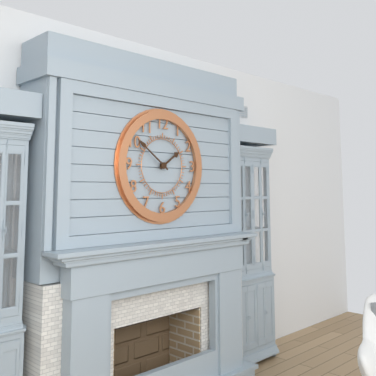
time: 1:51
